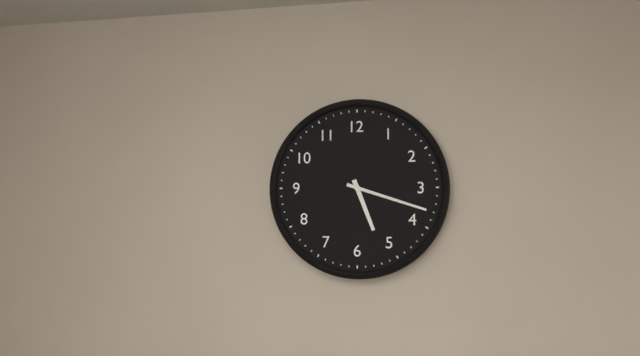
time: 5:18
